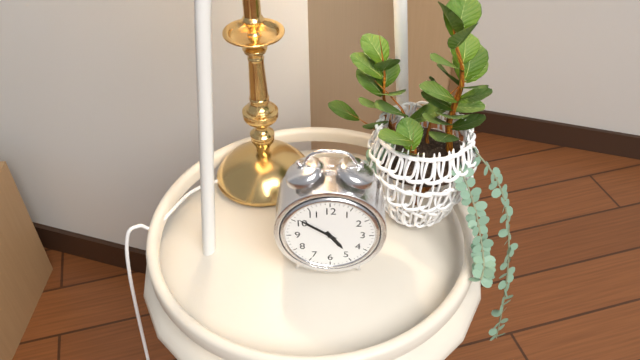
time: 4:51
